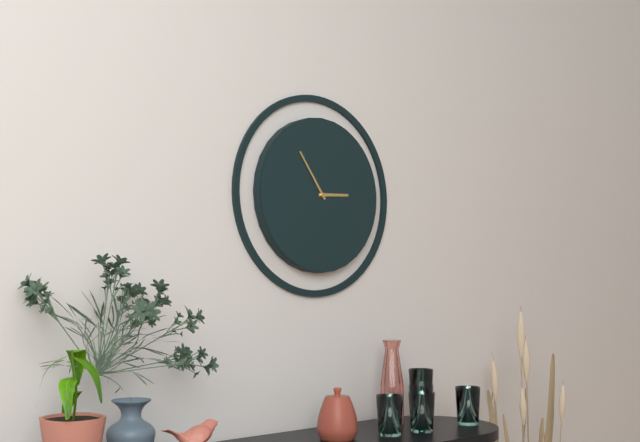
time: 2:54
